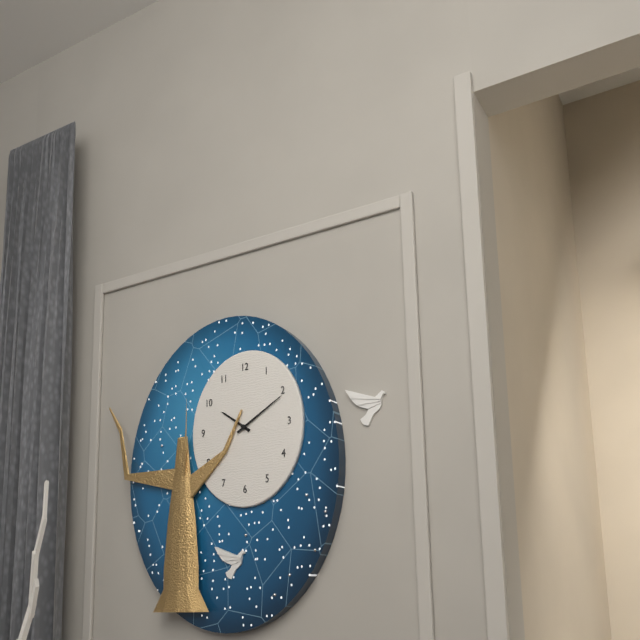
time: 10:10
